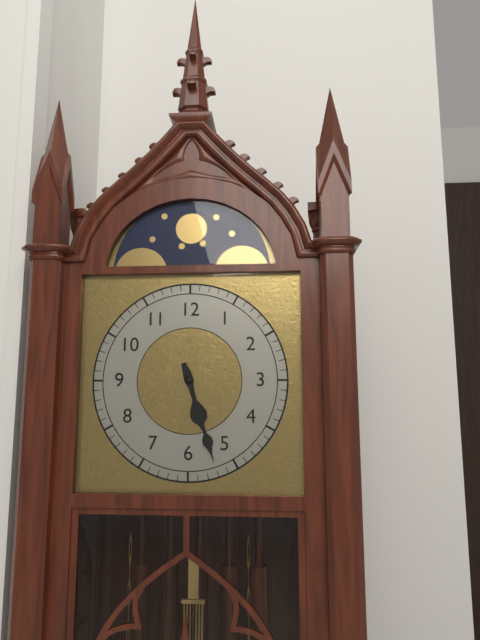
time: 5:27
